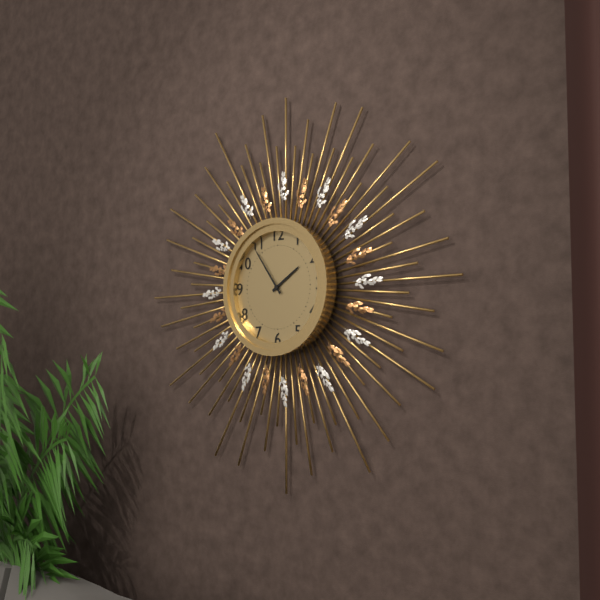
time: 1:54
